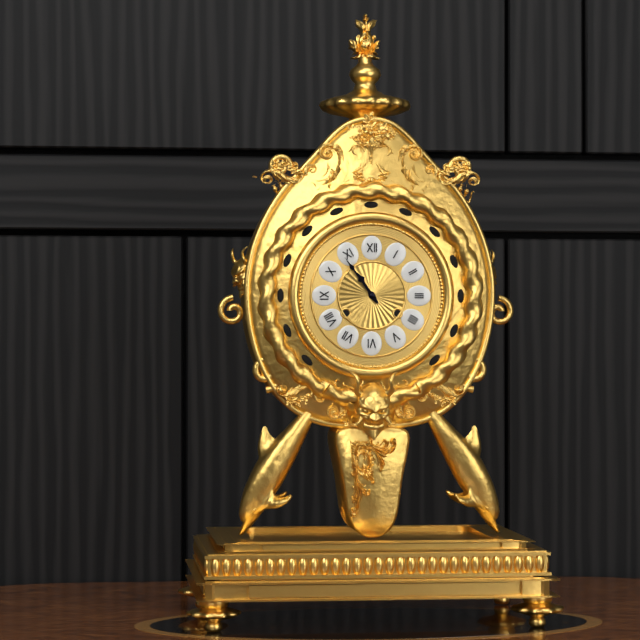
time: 10:54
